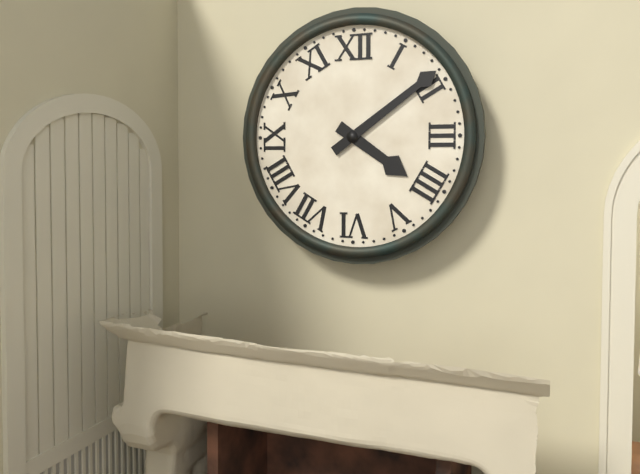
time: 4:09
